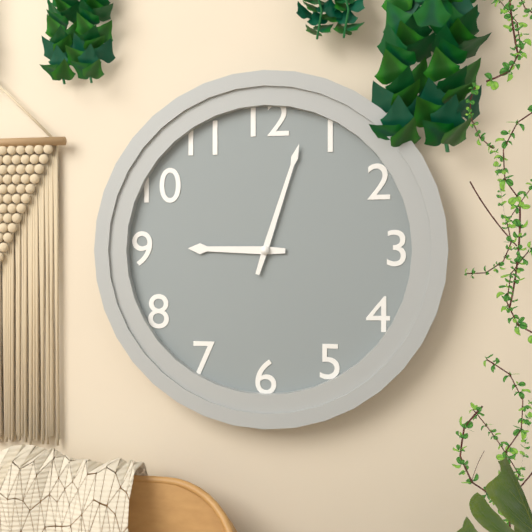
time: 9:03
